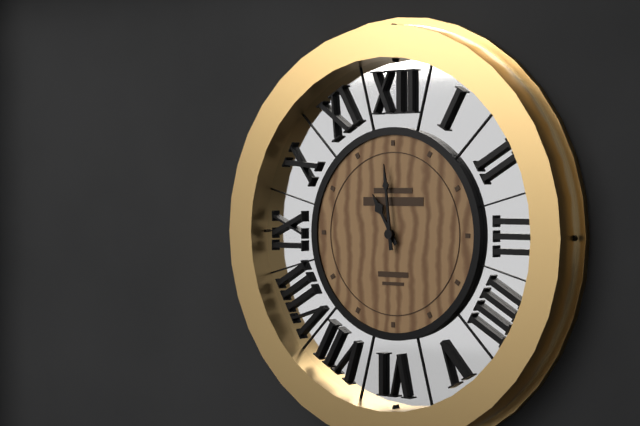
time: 10:59
